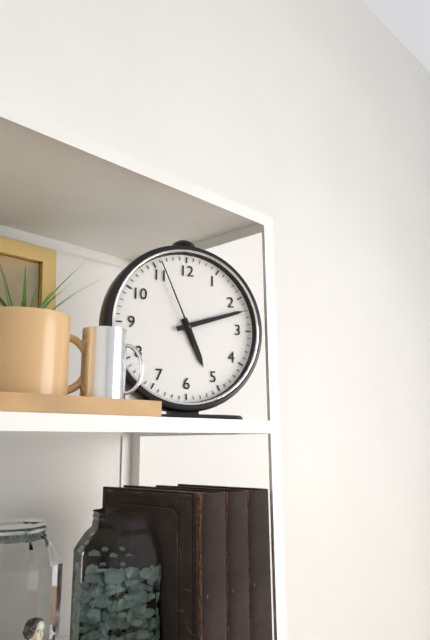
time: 5:12:56
